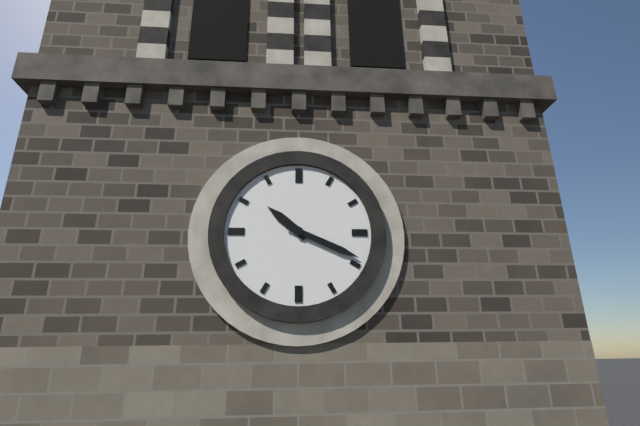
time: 10:19
